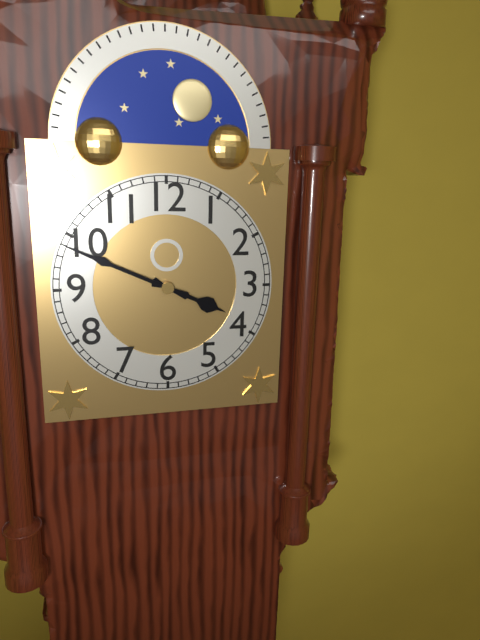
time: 3:49
